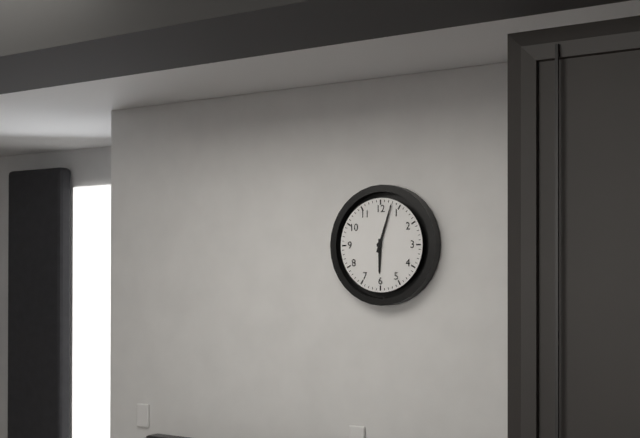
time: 6:03
